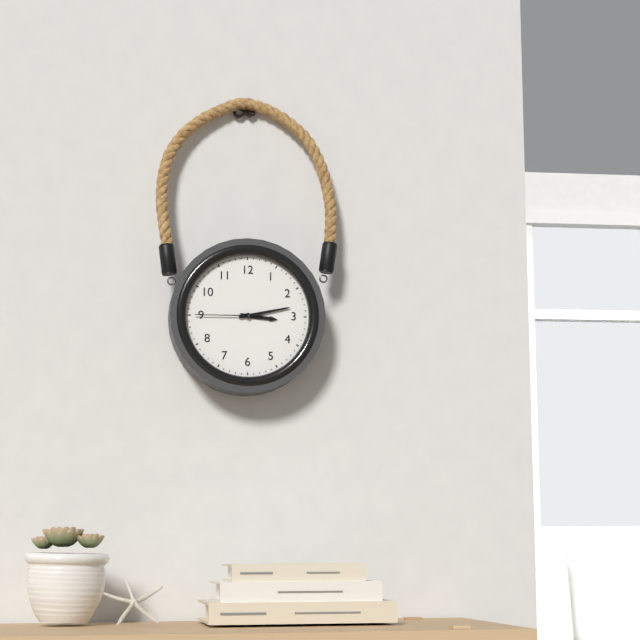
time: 3:13:45
